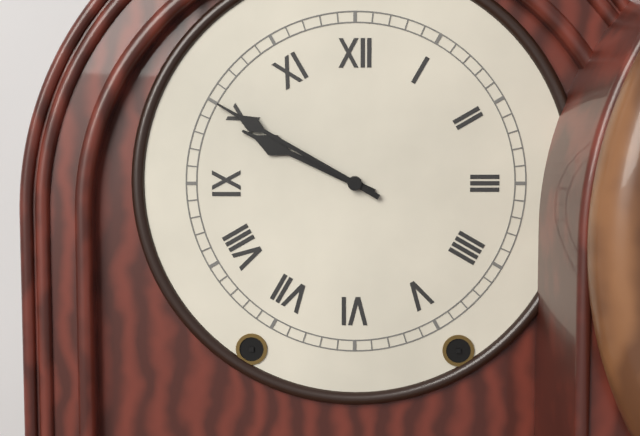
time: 9:50
